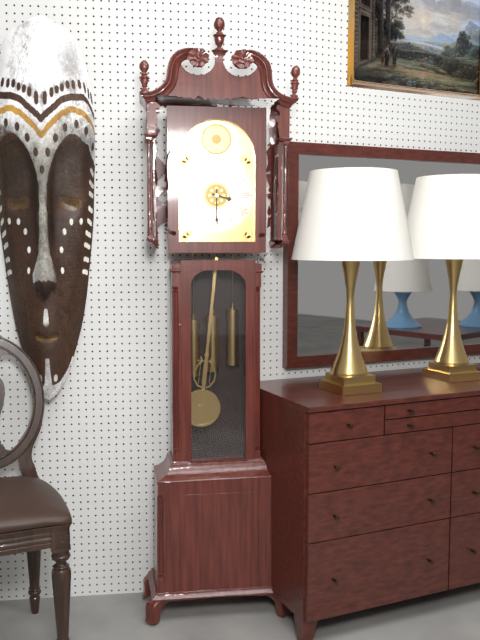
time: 3:30
